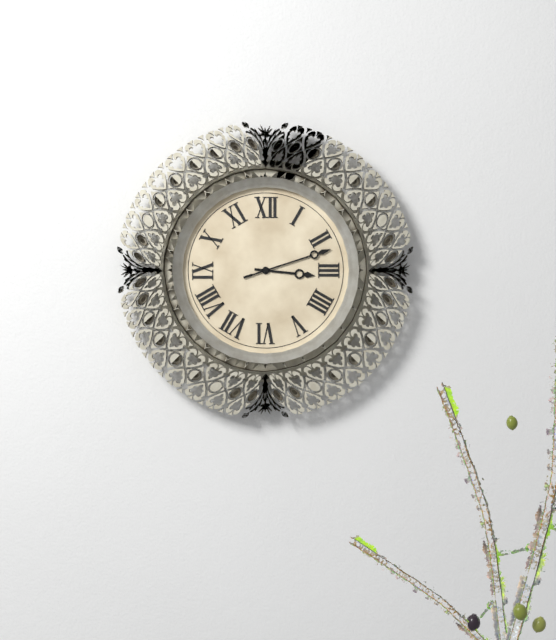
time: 3:12
